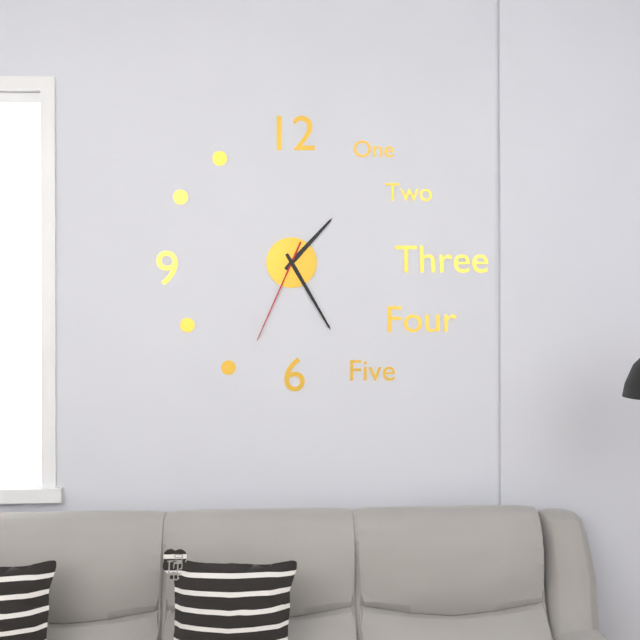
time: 1:25:34
